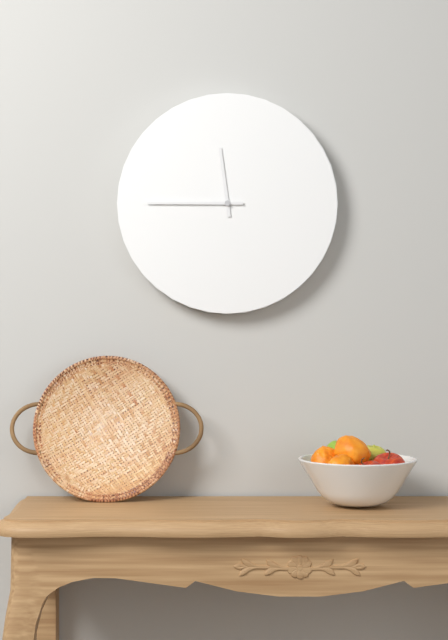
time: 11:45
